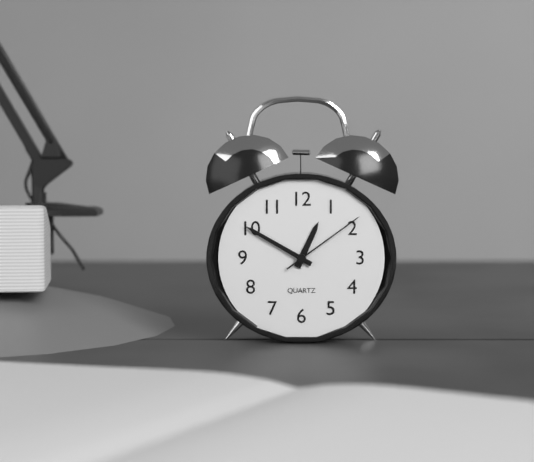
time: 12:50:09
